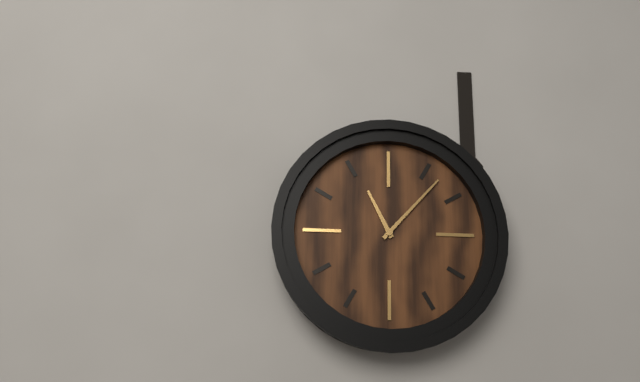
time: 11:07
